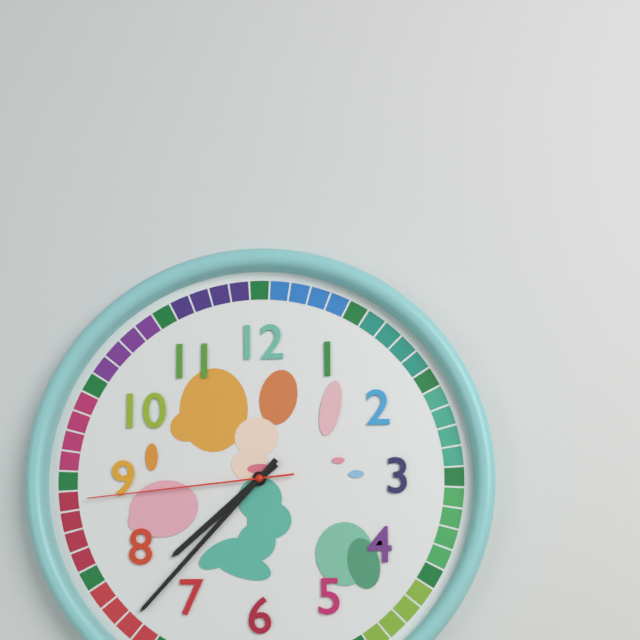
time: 7:37:44
